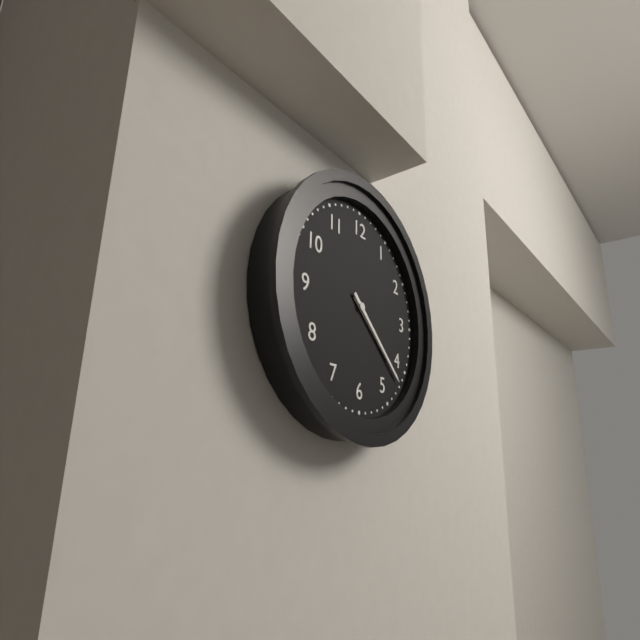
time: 4:22
